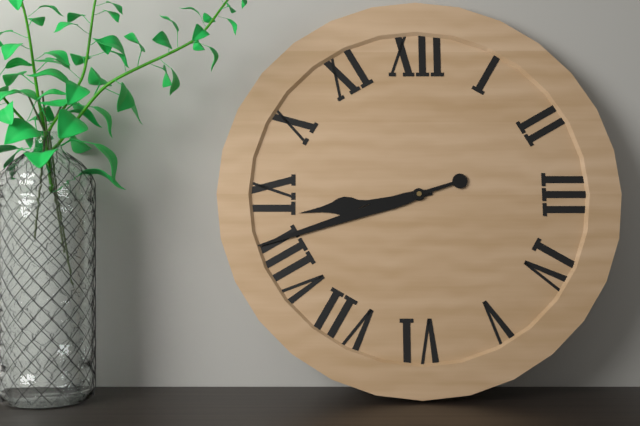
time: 8:42
